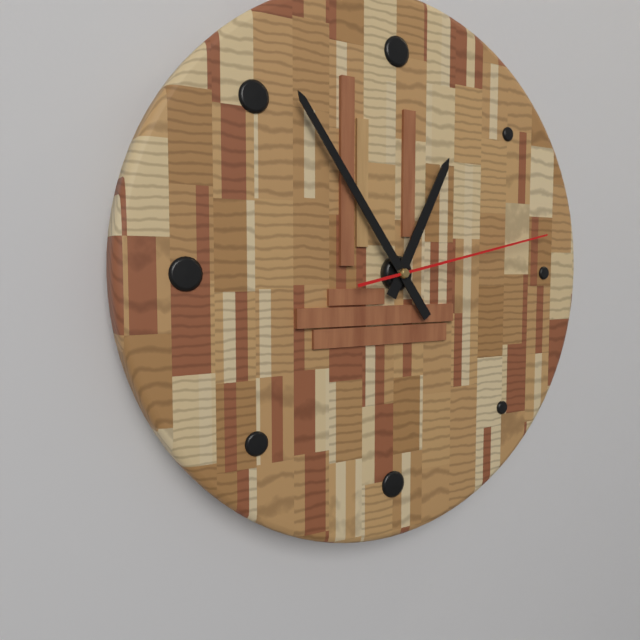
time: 12:54:13
